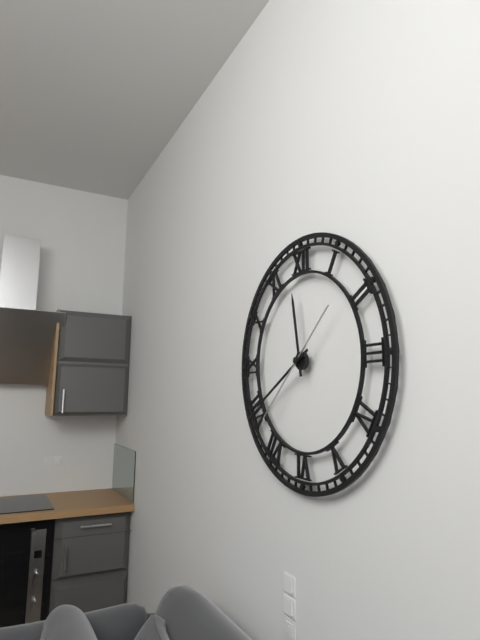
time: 11:40:38
